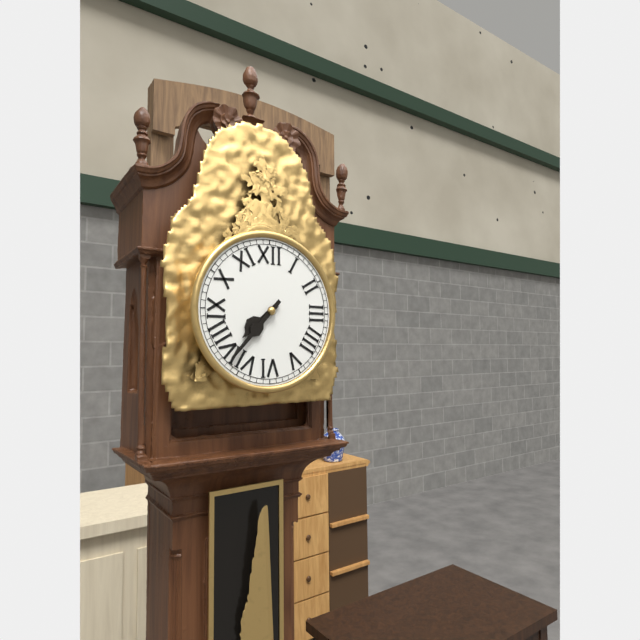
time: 7:37
